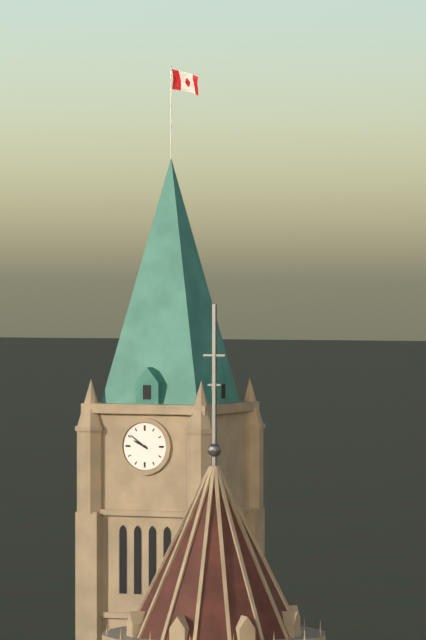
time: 9:51
